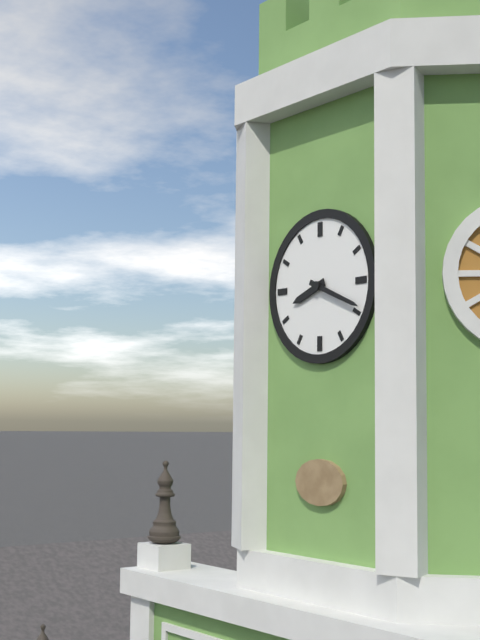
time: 8:19
